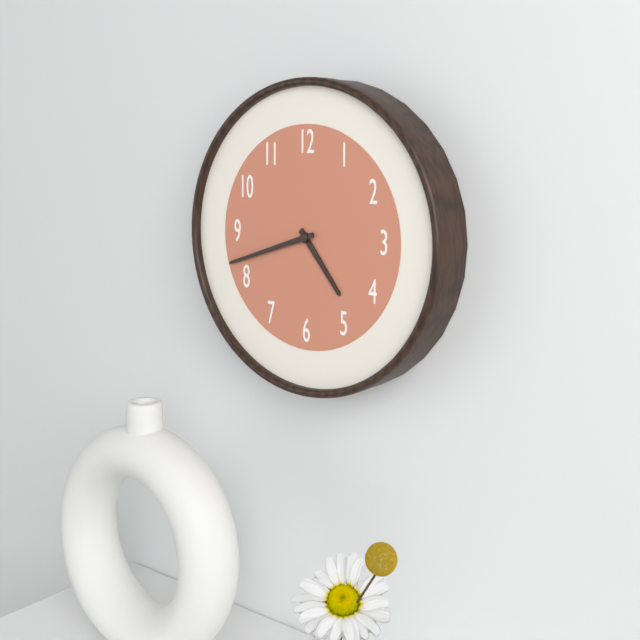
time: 4:42
